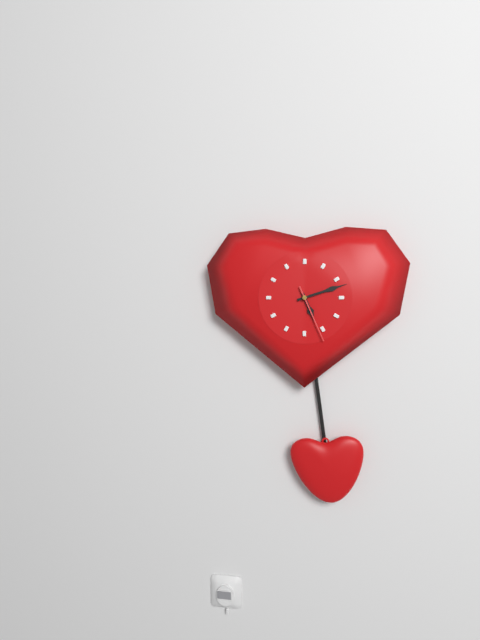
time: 5:12:26
